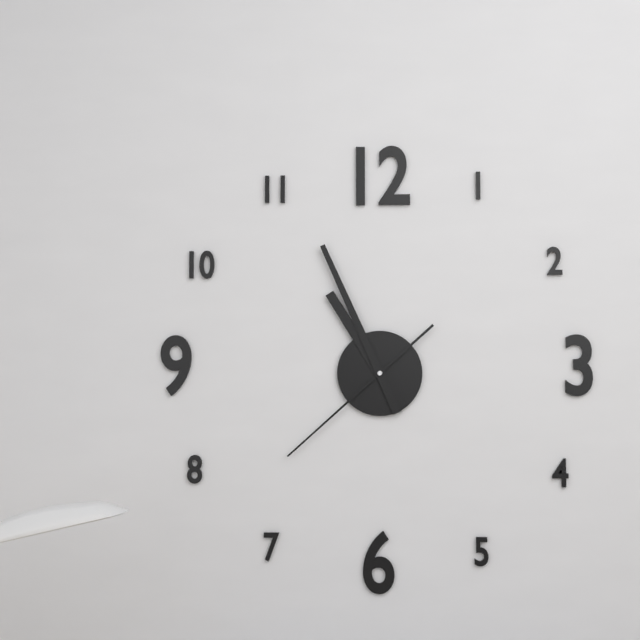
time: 10:56:38
